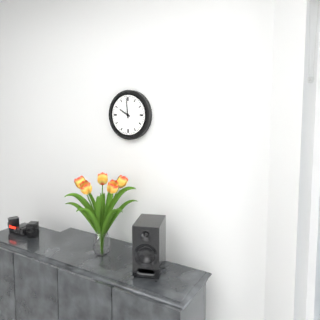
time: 9:59
